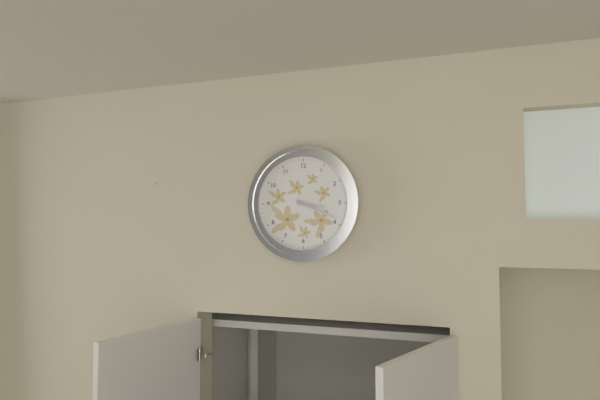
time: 3:19
